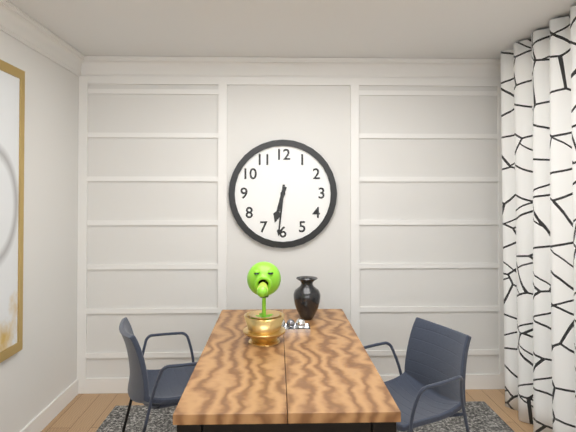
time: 6:31
